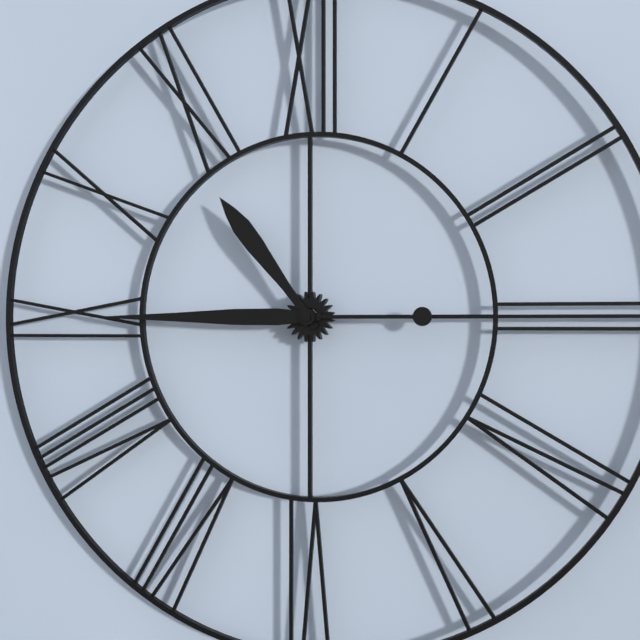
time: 10:45
